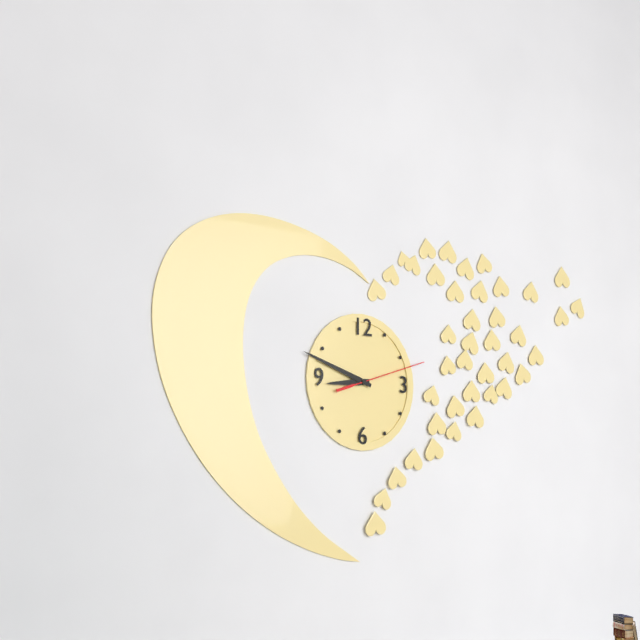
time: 8:48:12
